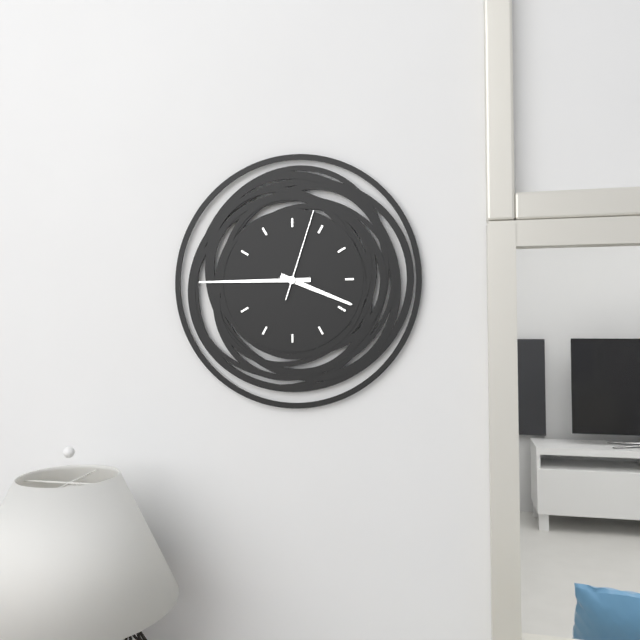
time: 3:45:03
